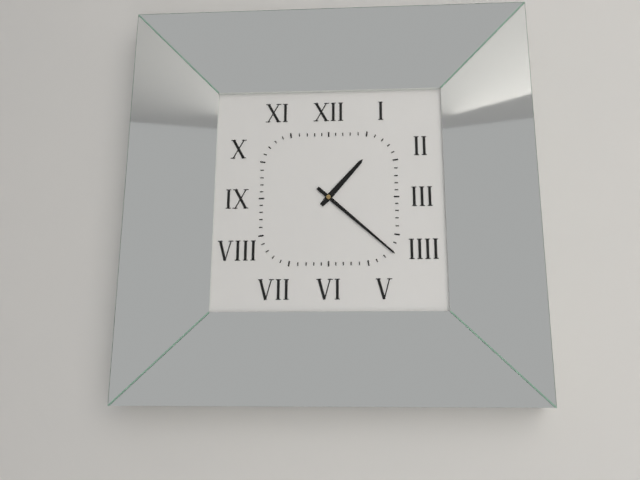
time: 1:22
